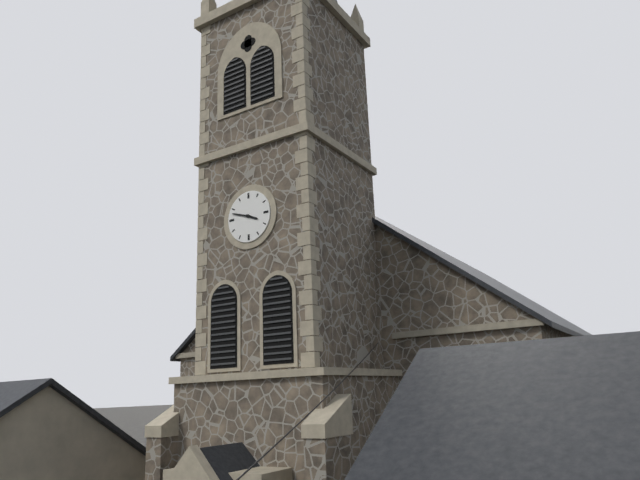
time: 3:48
